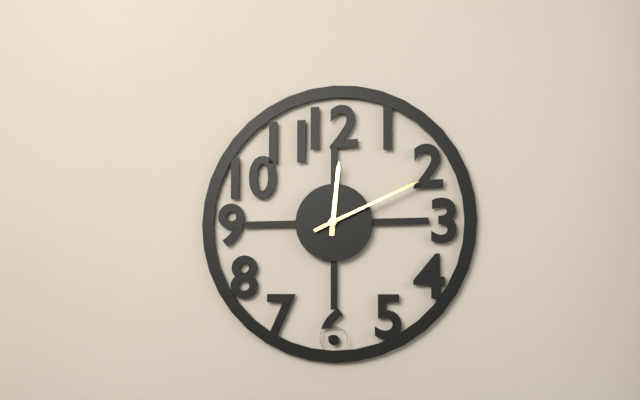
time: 12:11
